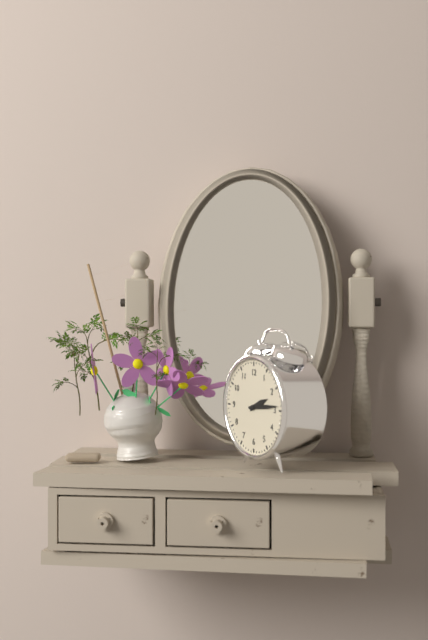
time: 2:14
